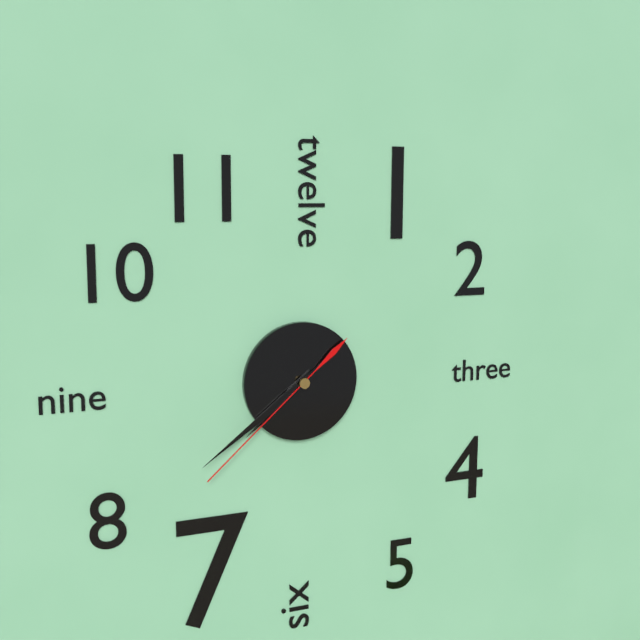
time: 7:39:38
